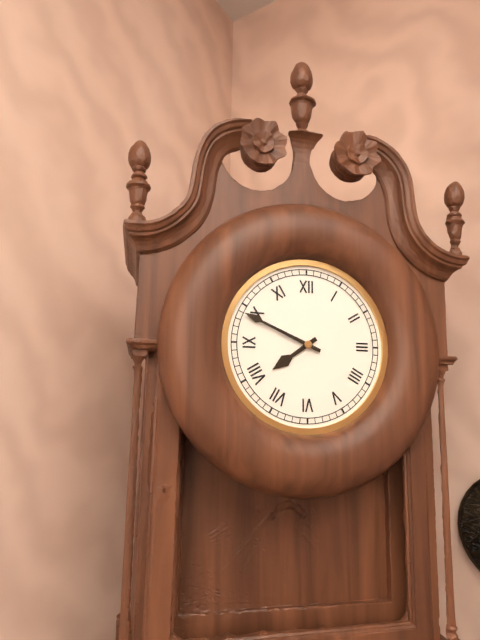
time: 7:49
